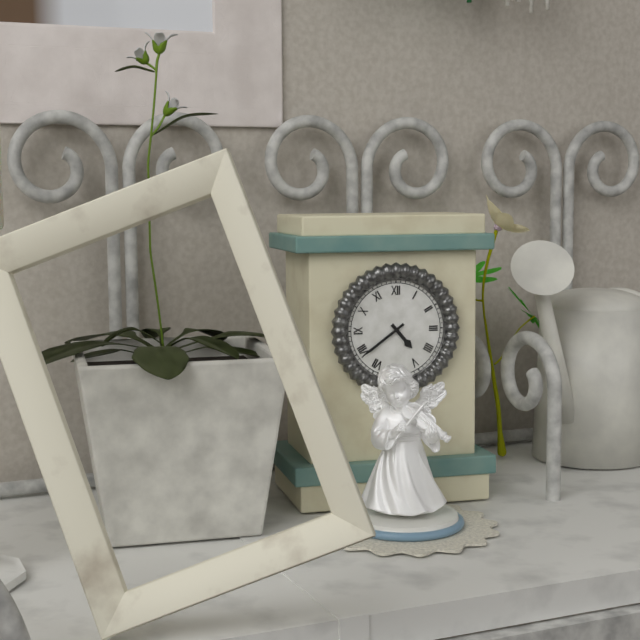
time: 4:39
